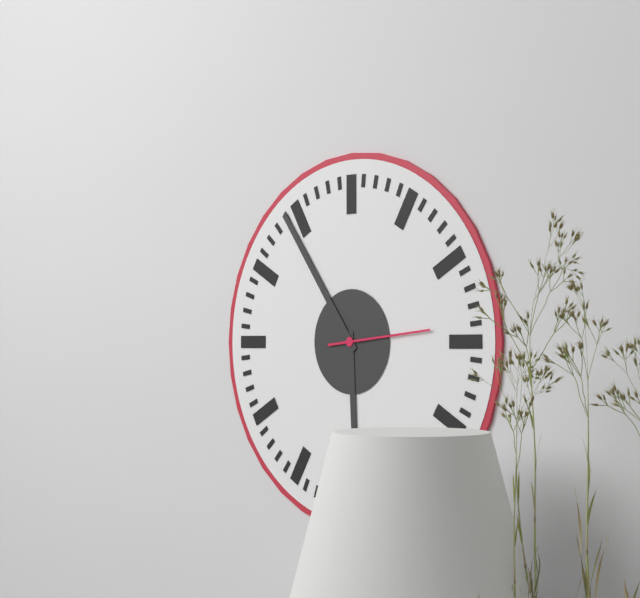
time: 5:54:14
